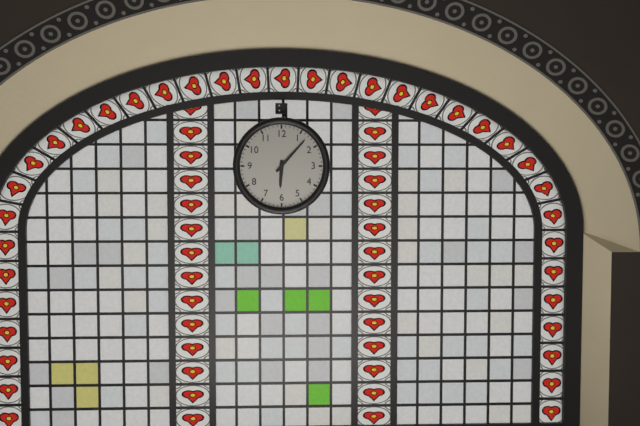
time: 6:07
